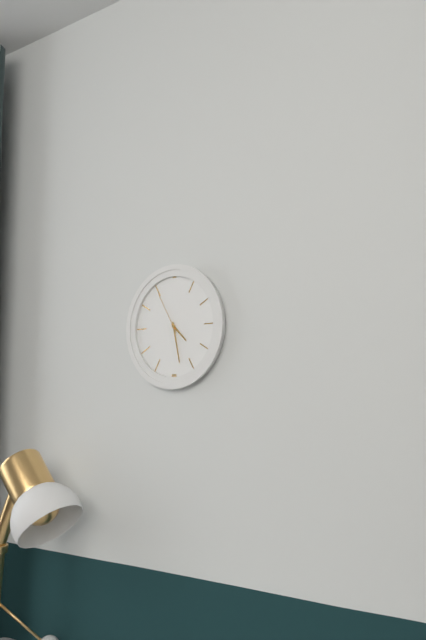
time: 4:28
